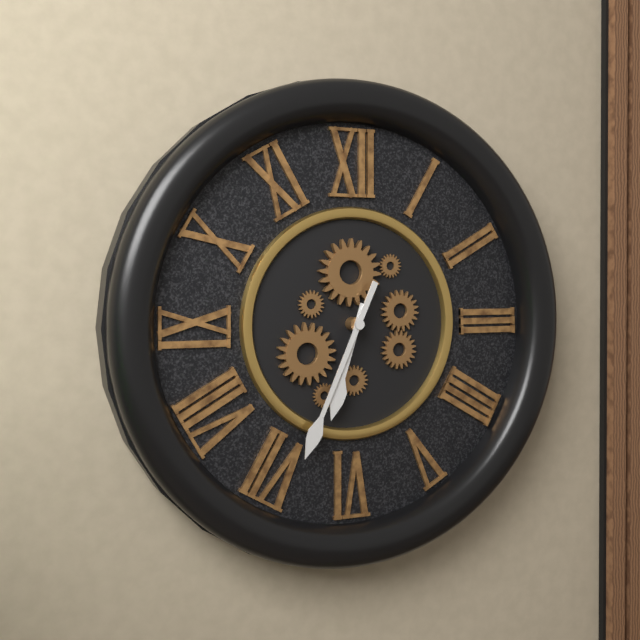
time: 6:34
